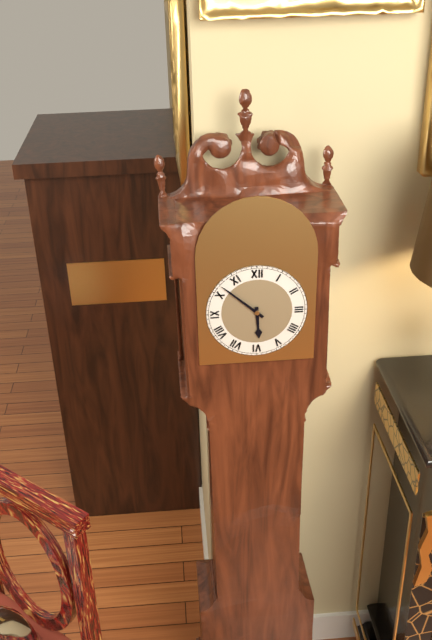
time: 5:52
